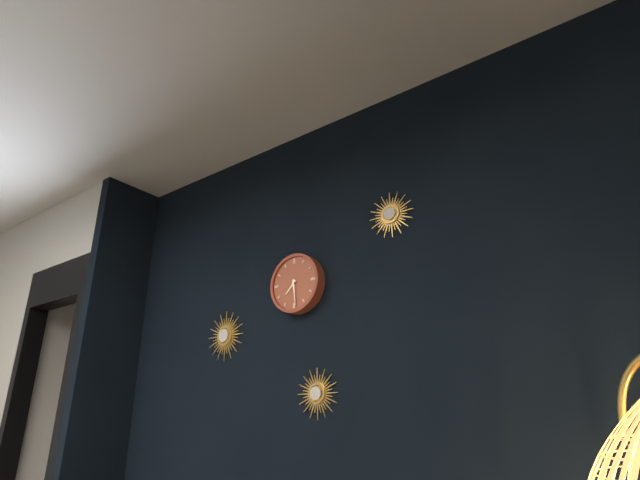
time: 7:29
